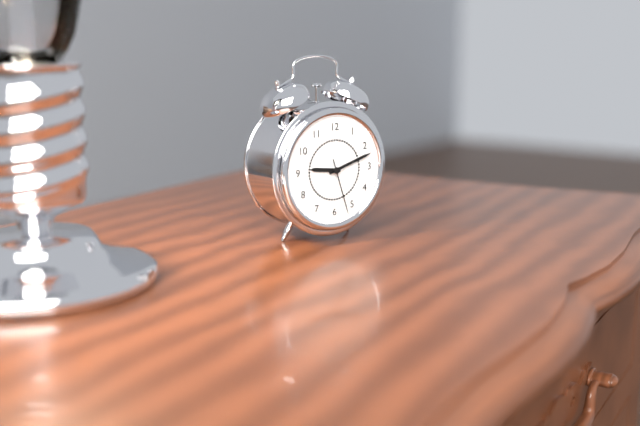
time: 9:12:27
